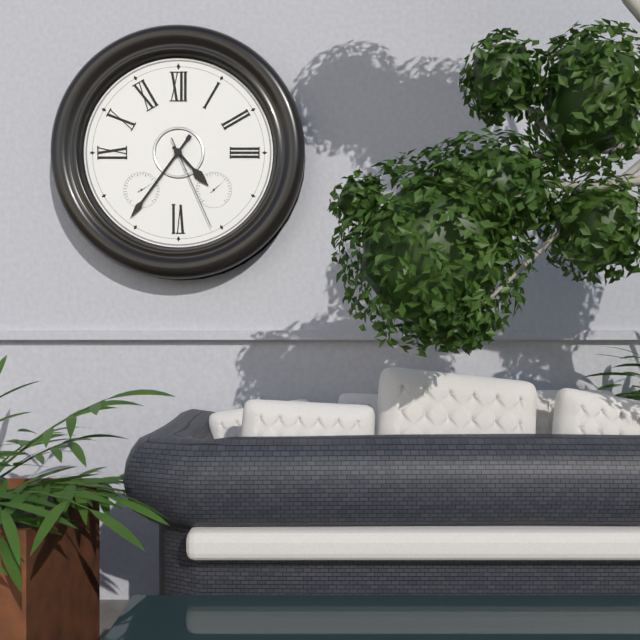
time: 4:36:26
